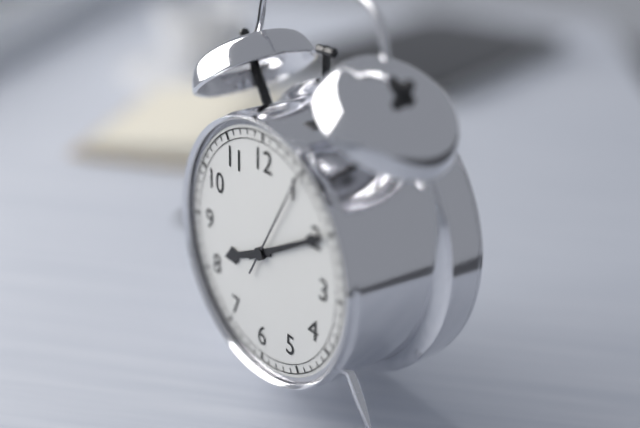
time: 8:10:05
